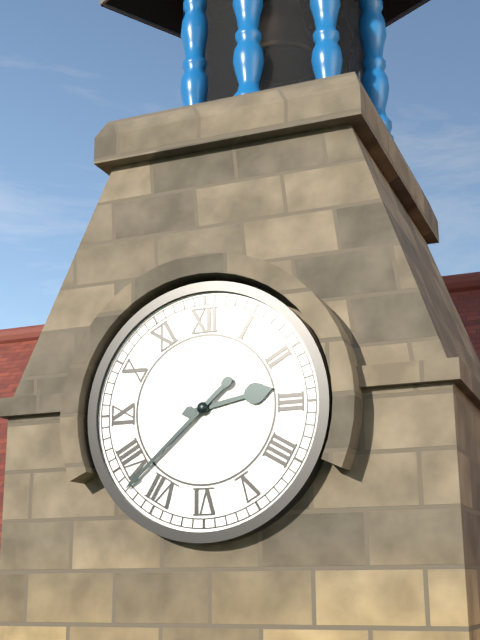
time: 2:38
